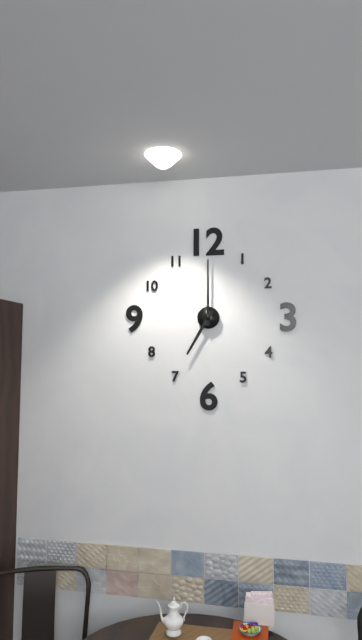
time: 7:00
